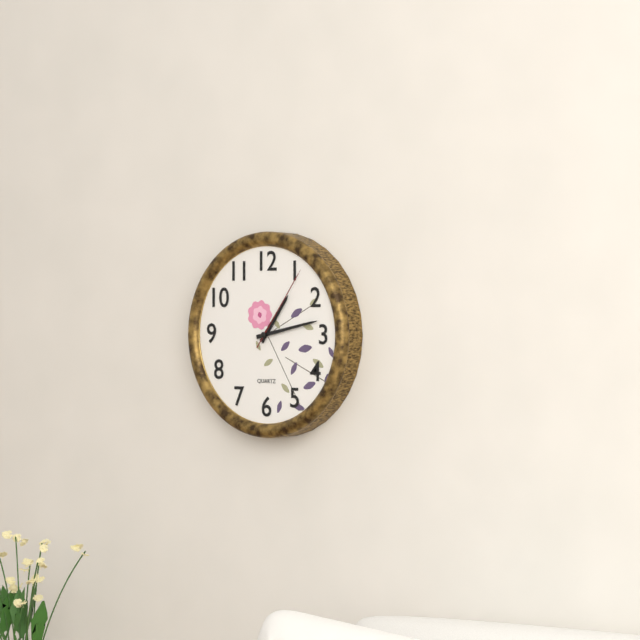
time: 1:13:06
